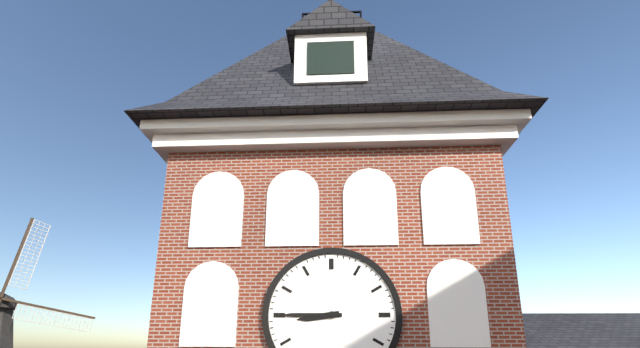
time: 8:45
